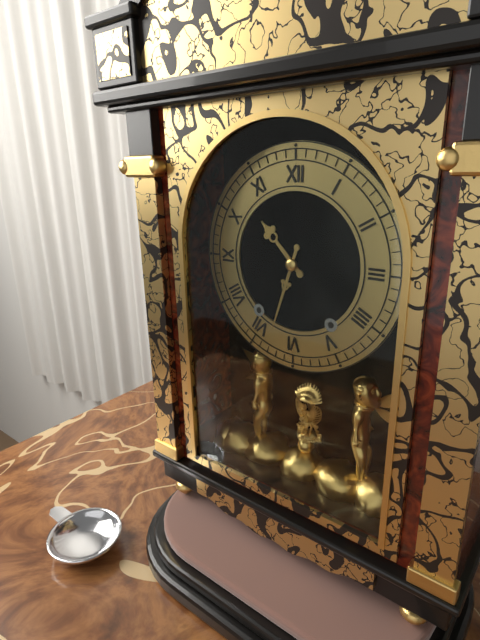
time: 10:33
